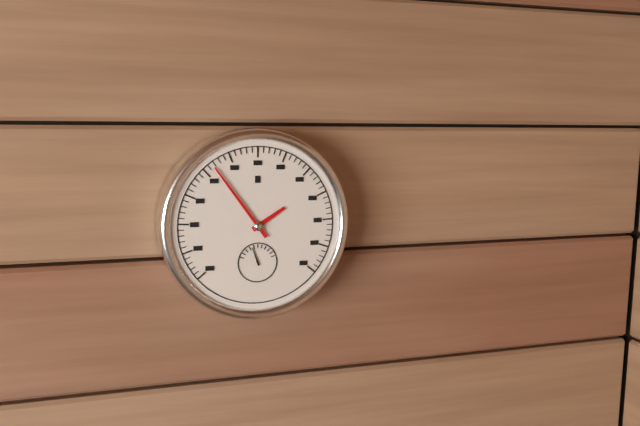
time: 1:54
